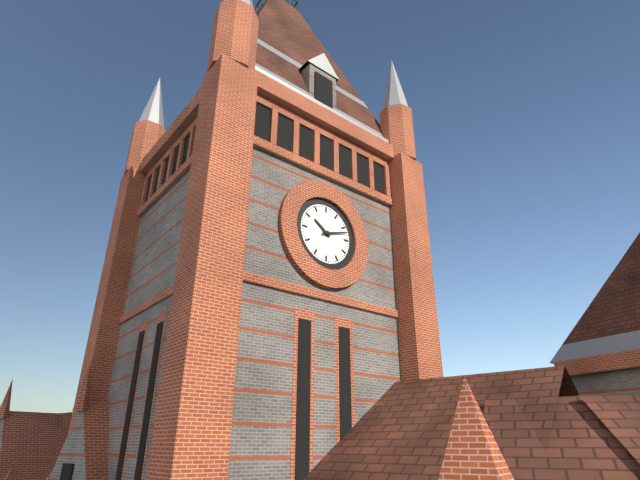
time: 10:12
